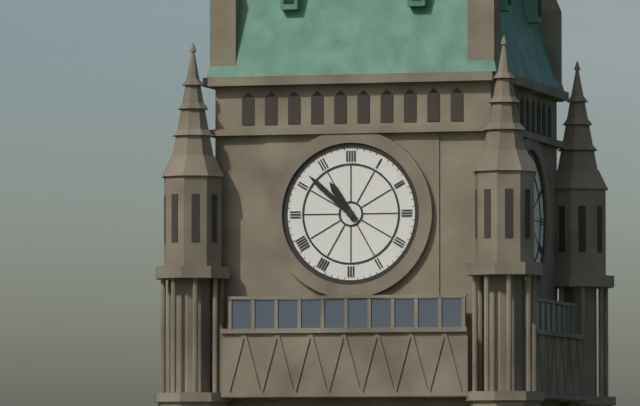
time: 10:52
